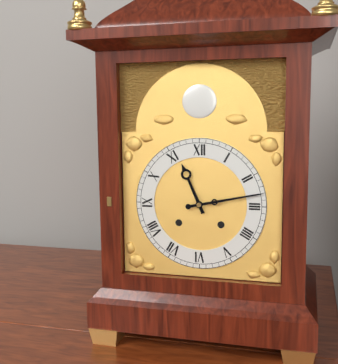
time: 11:13
